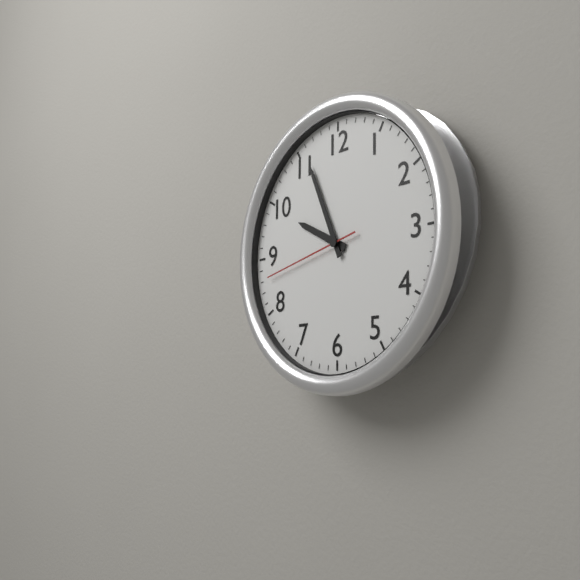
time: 9:56:43
